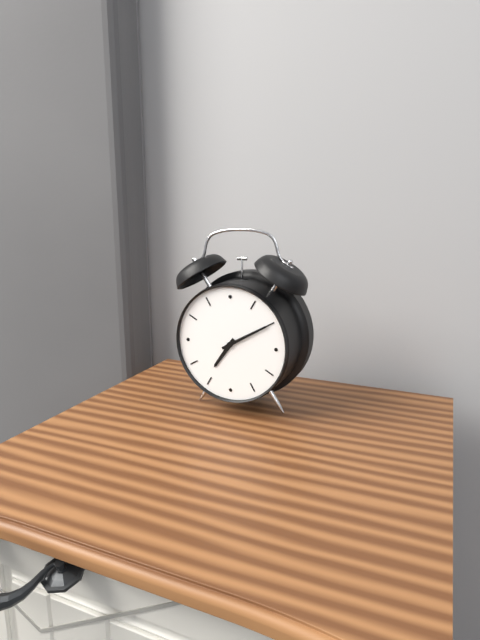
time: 7:10
